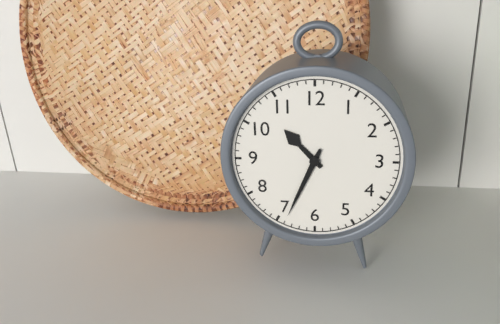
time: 10:34
